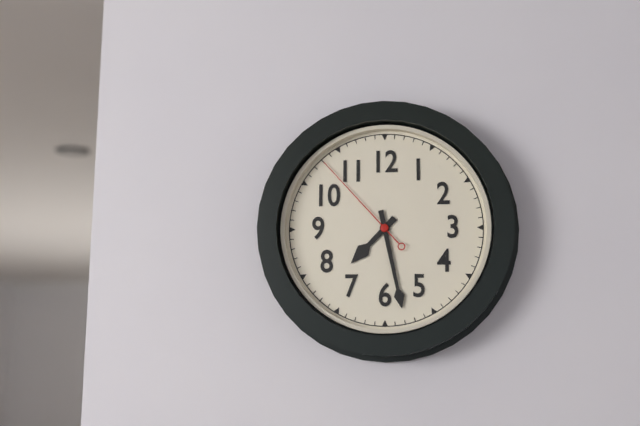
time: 7:28:53
